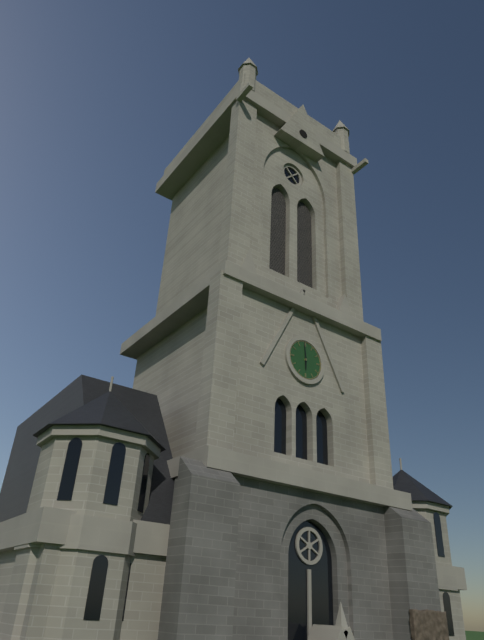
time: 5:59
